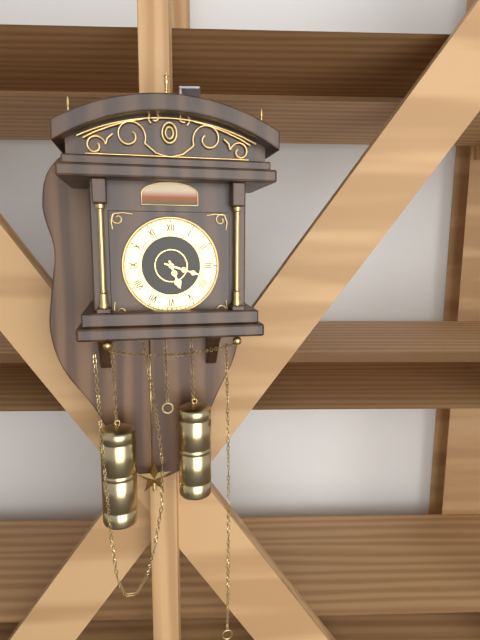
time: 5:18
